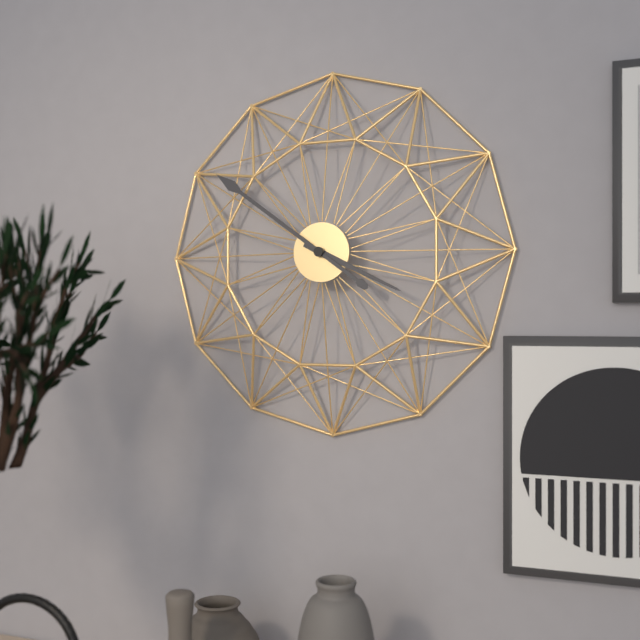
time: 3:51
